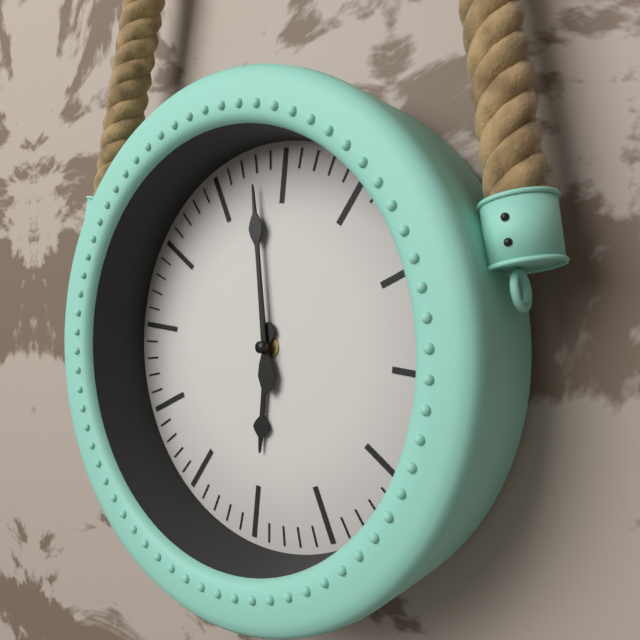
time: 5:58
